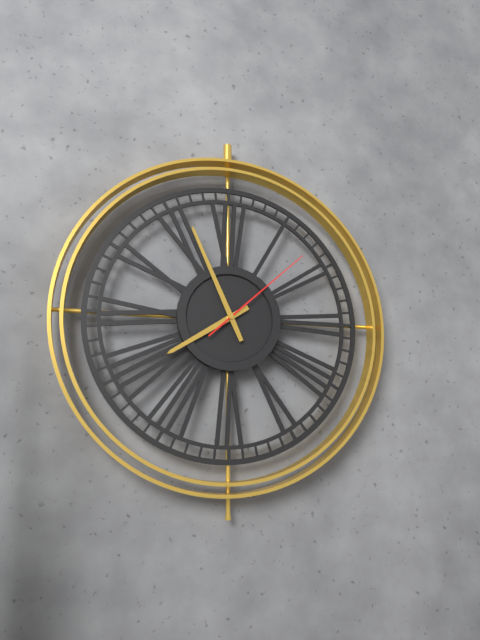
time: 7:56:08
